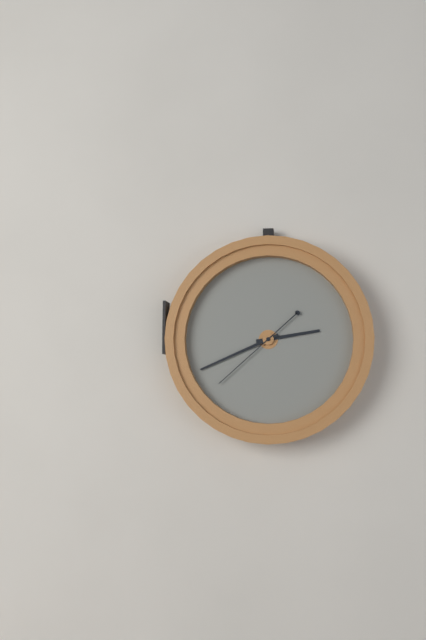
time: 2:41:38
